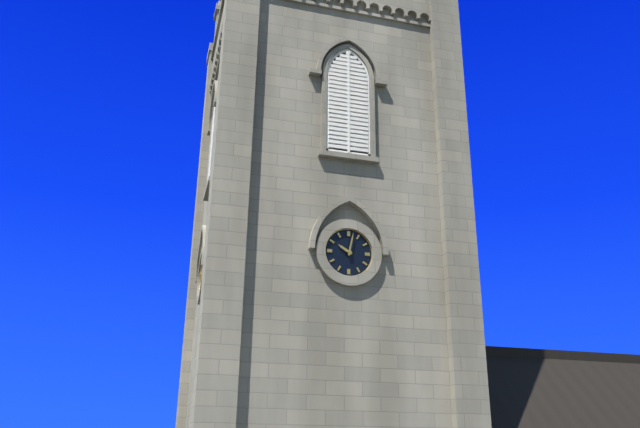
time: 10:02
